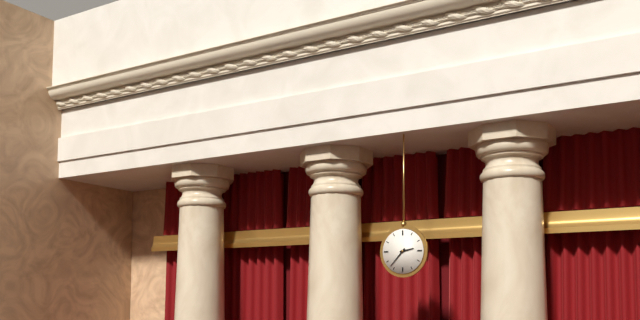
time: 2:37
